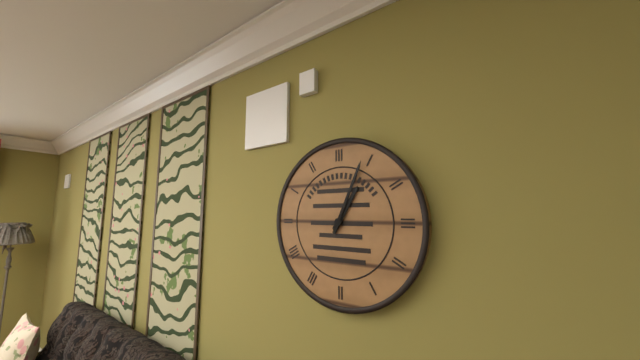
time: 1:04
